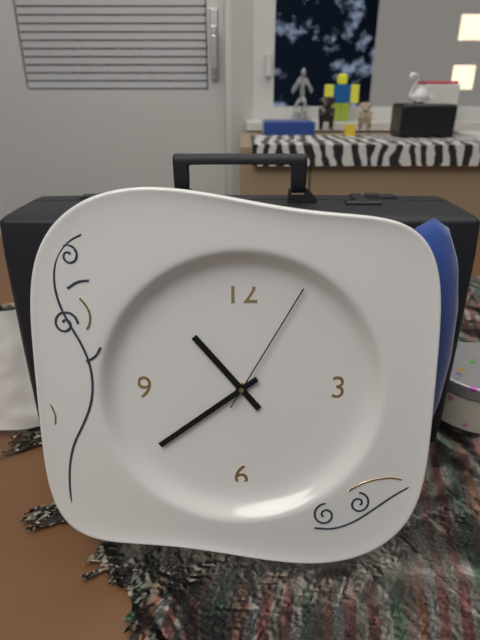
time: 10:39:05
